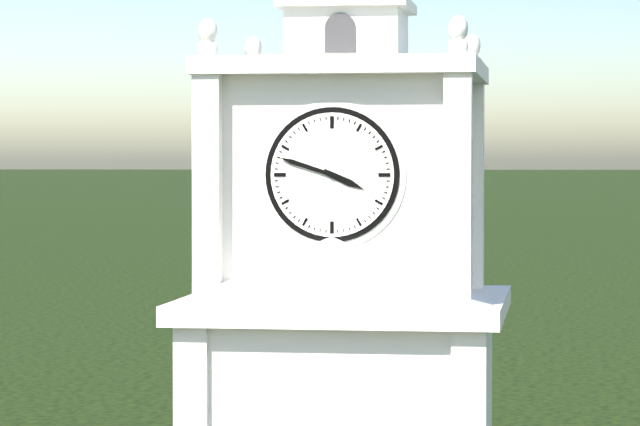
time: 3:48
